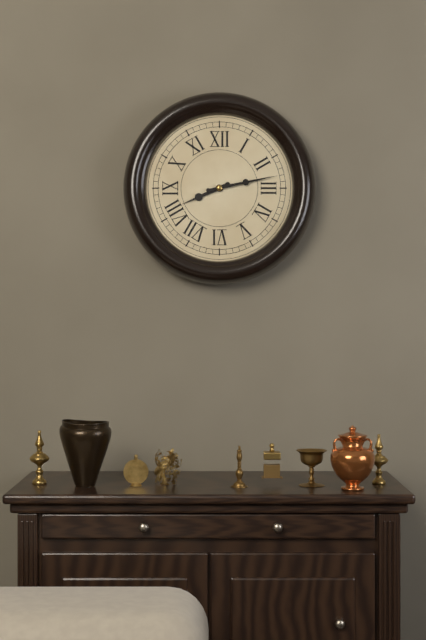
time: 8:13
